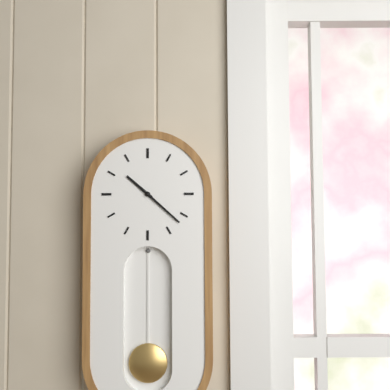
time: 10:22
